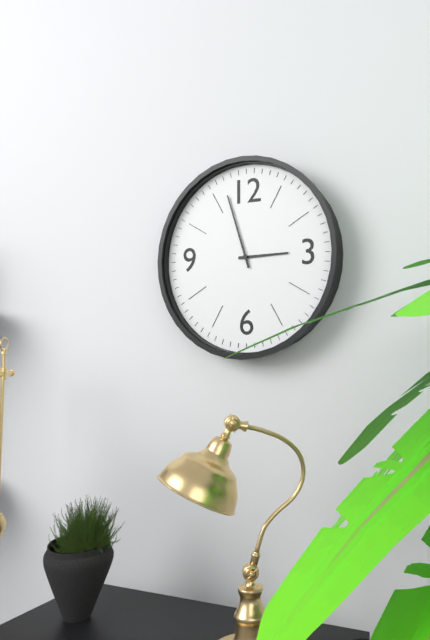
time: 2:57
